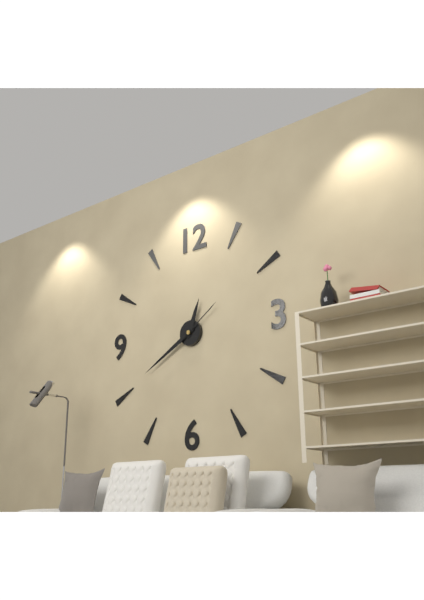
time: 12:40
